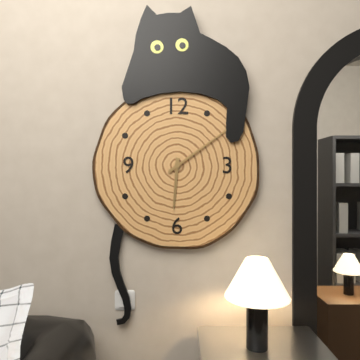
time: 6:09
